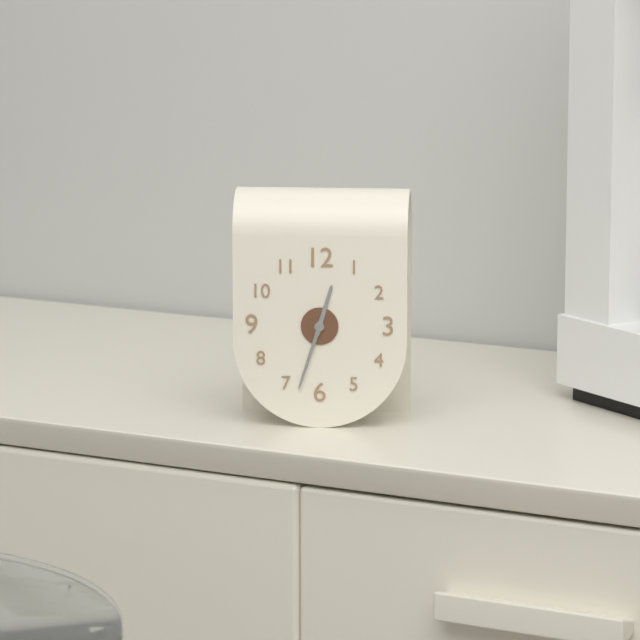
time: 12:33
